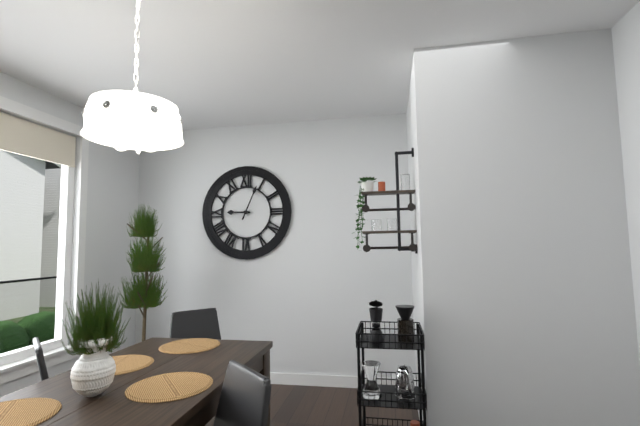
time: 9:04
